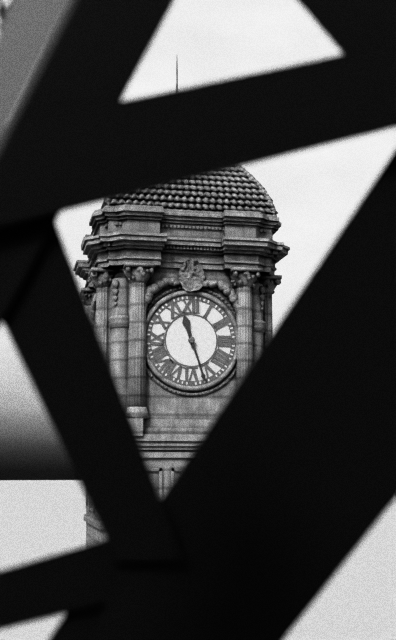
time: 11:27
